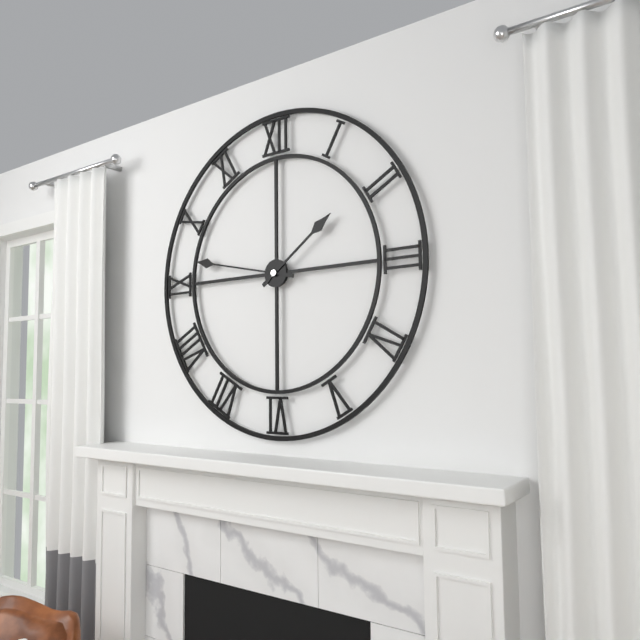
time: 1:47
